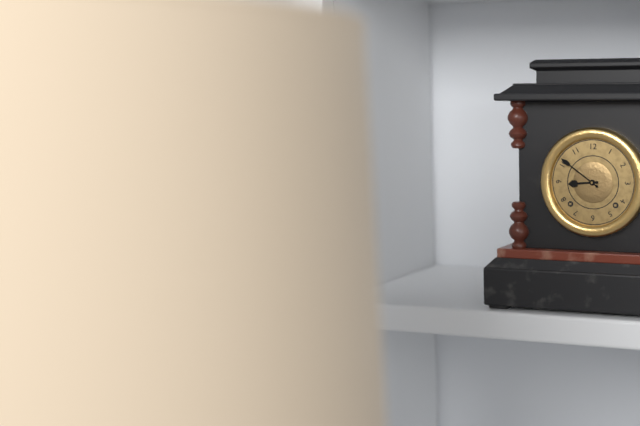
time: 8:51
